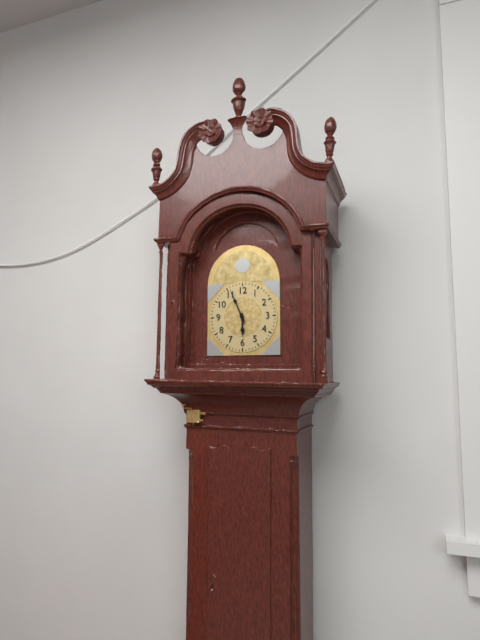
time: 5:56
